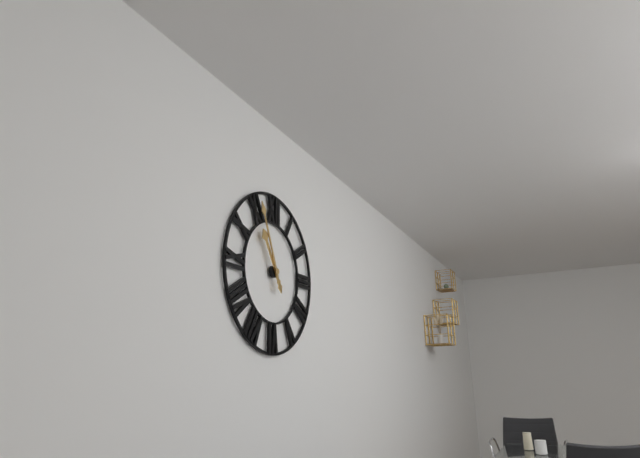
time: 10:56
